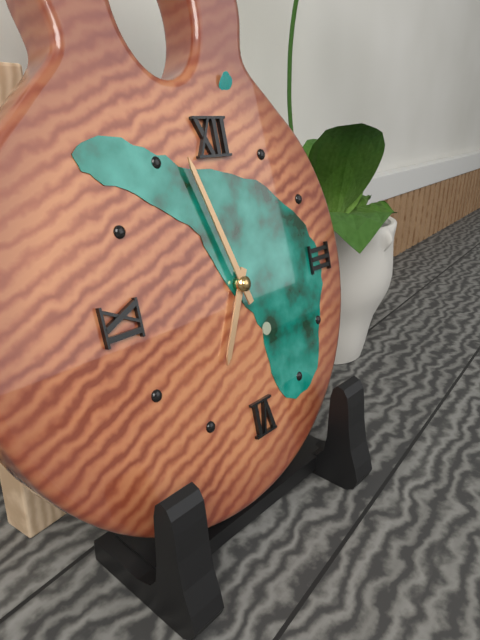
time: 6:57
